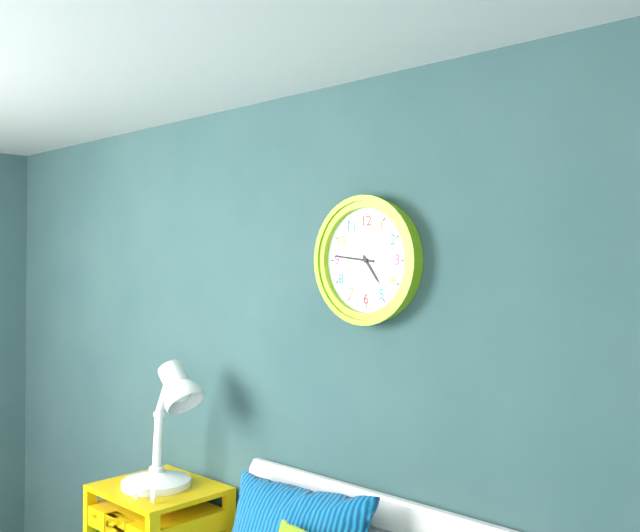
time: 4:46
